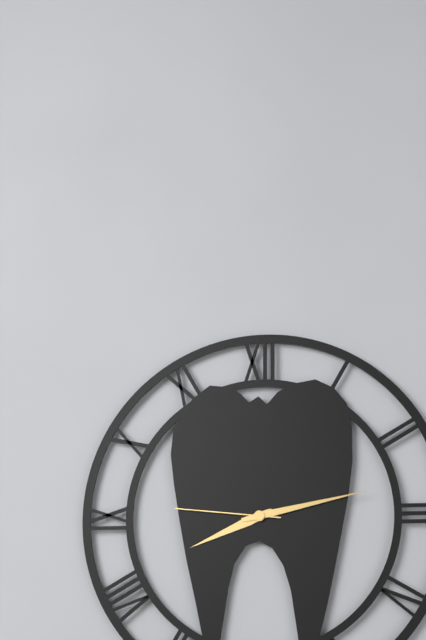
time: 8:13:46
